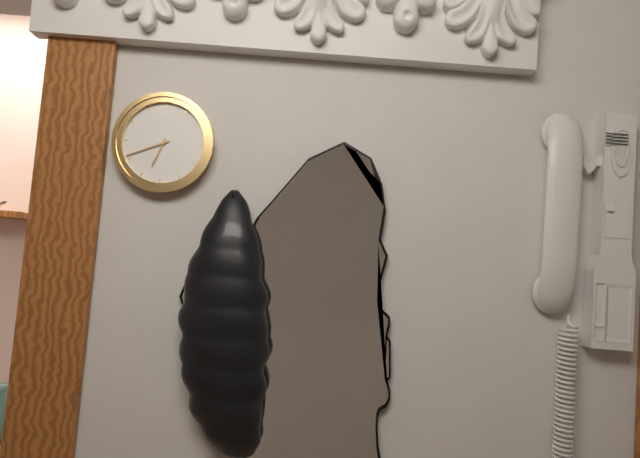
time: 6:41
